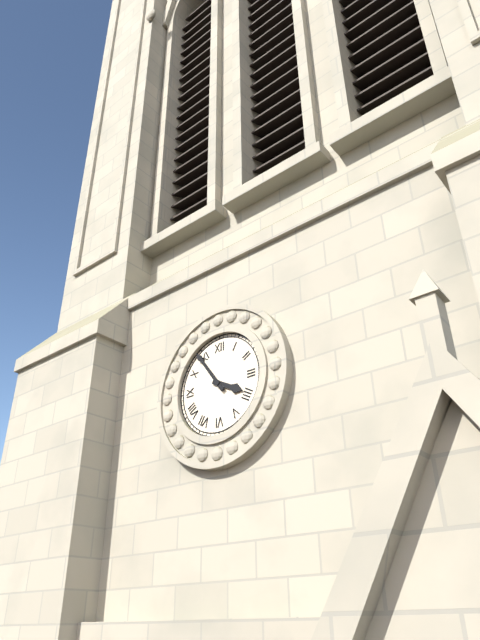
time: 3:54
